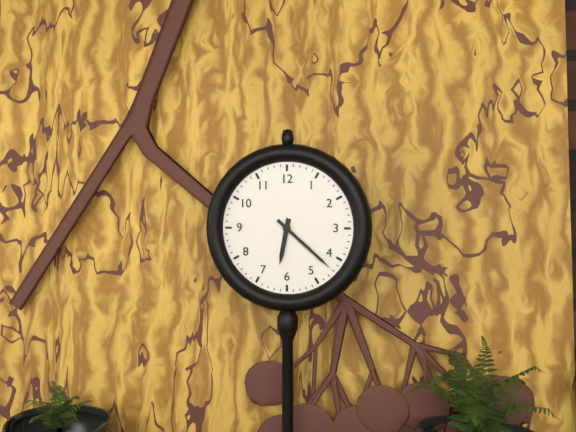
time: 6:22
